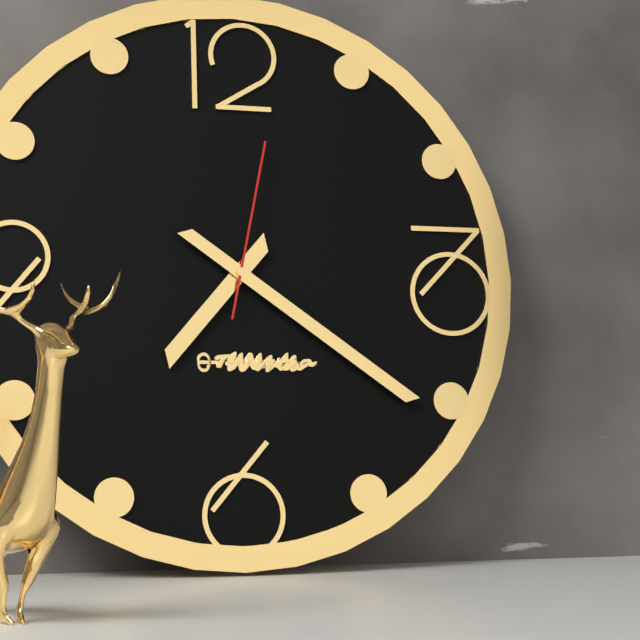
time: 7:21:02
